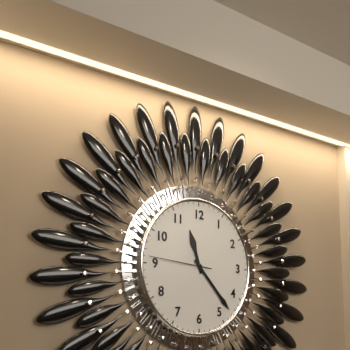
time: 11:23:46
